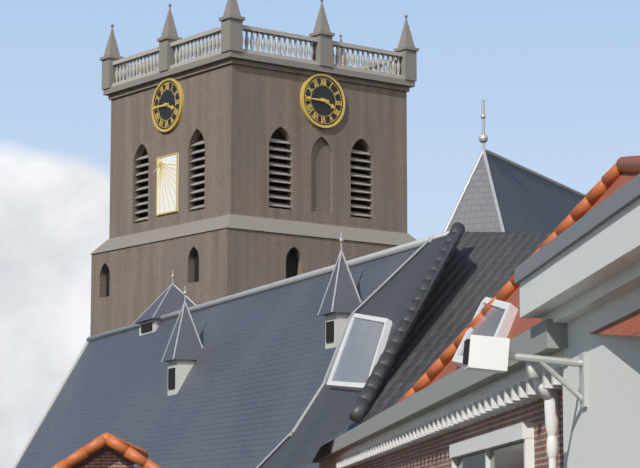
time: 3:45
